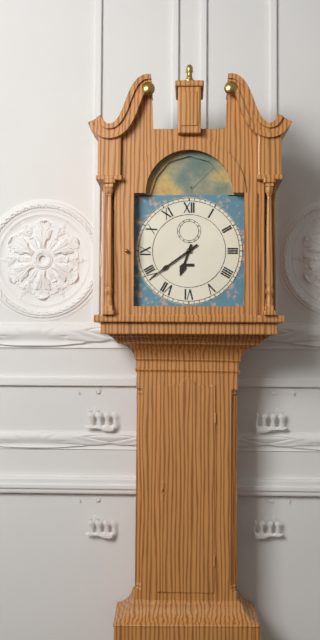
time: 6:39
